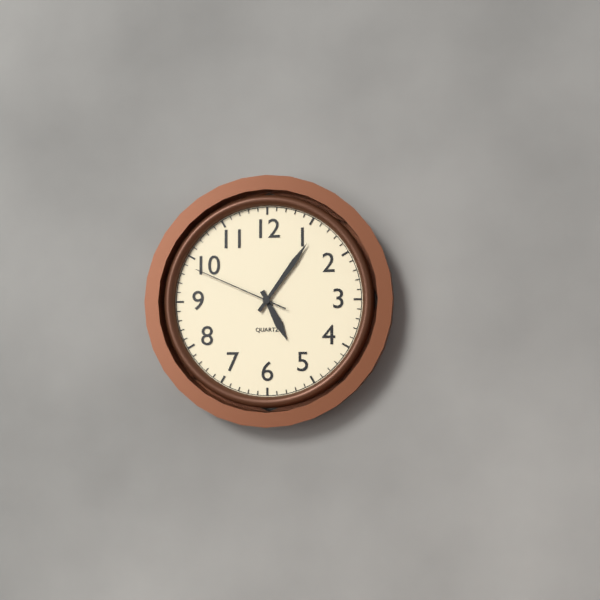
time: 5:06:49
